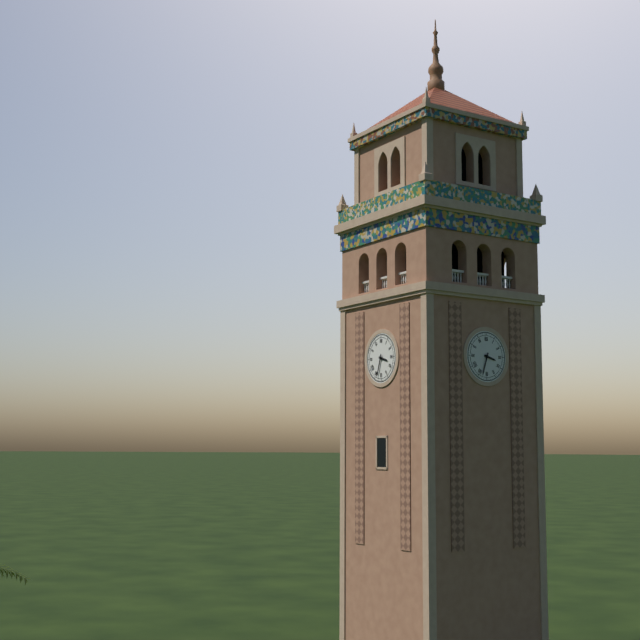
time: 3:33
